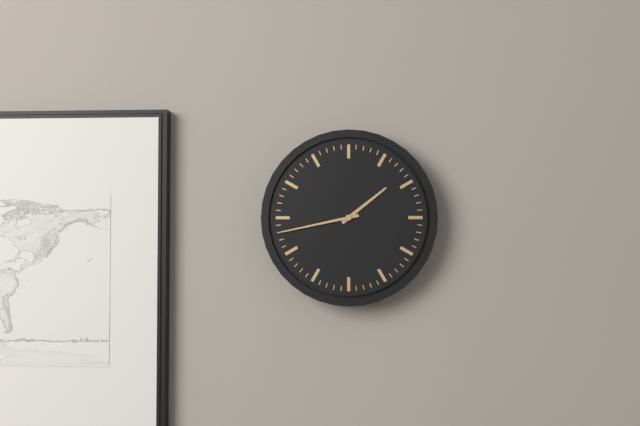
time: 1:43
